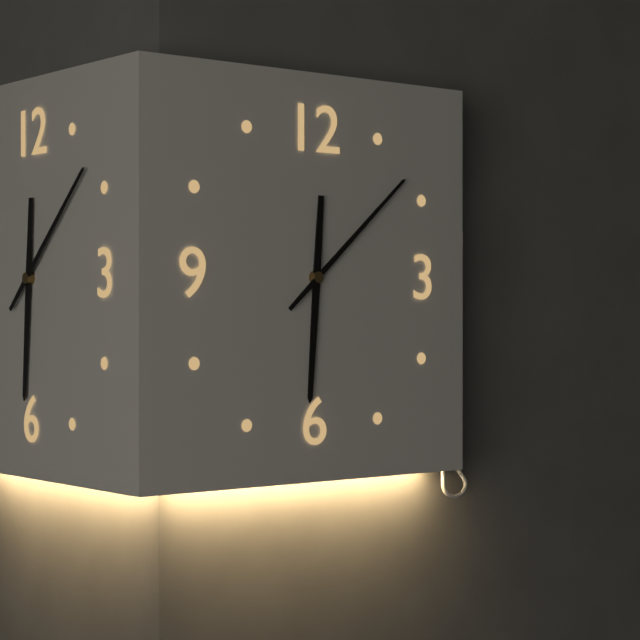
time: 6:08
